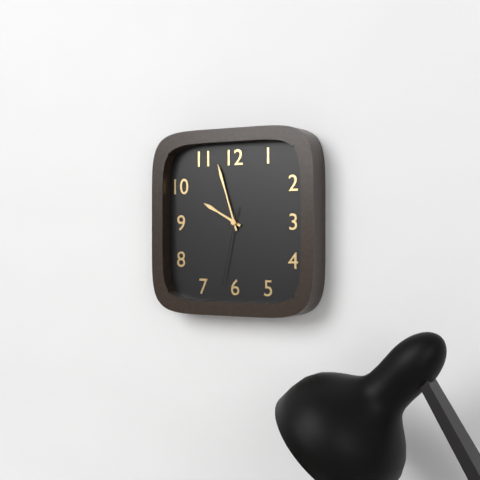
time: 9:57:32
